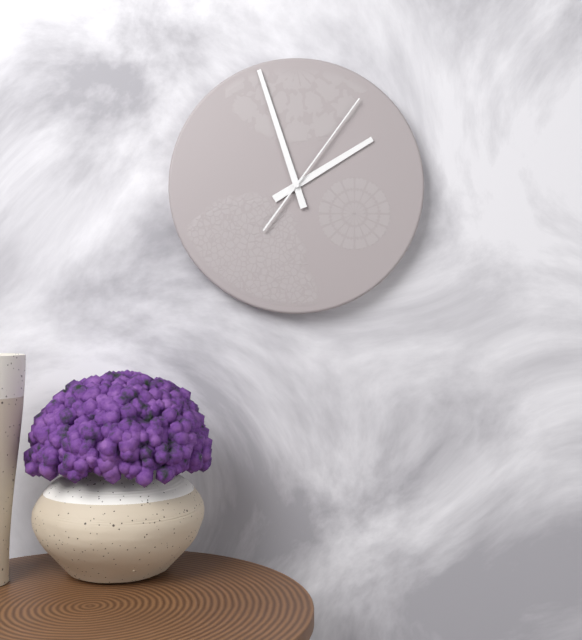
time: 1:57:06
